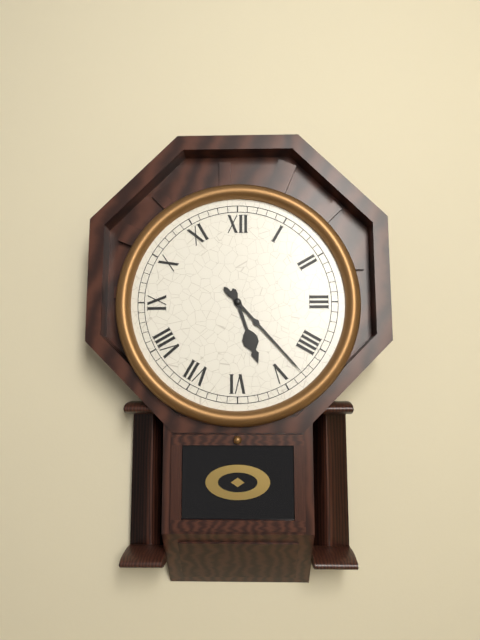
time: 5:23
